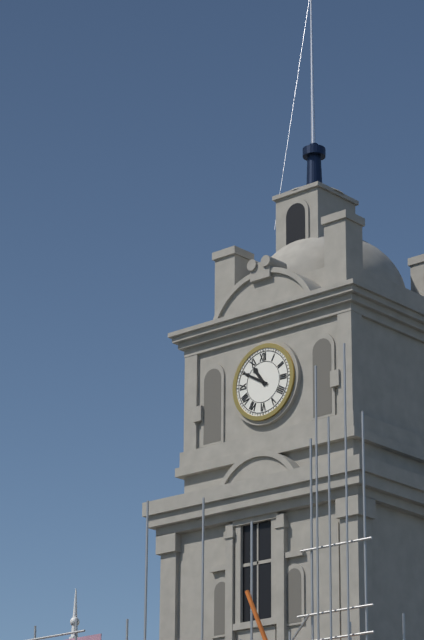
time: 10:50
